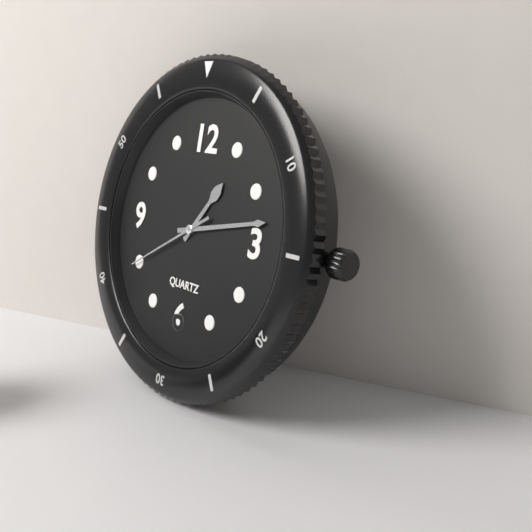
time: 1:13:40
